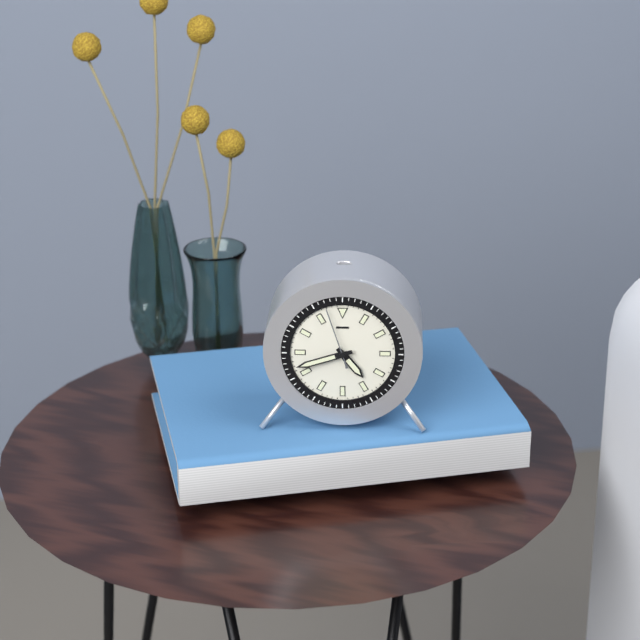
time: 4:42:57
